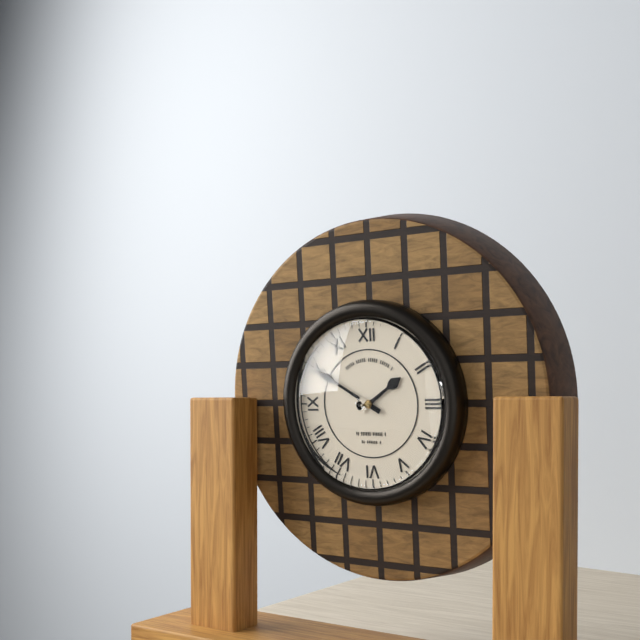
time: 1:50
